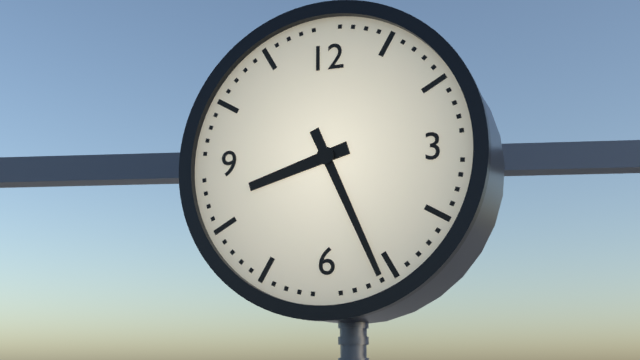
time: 8:26
